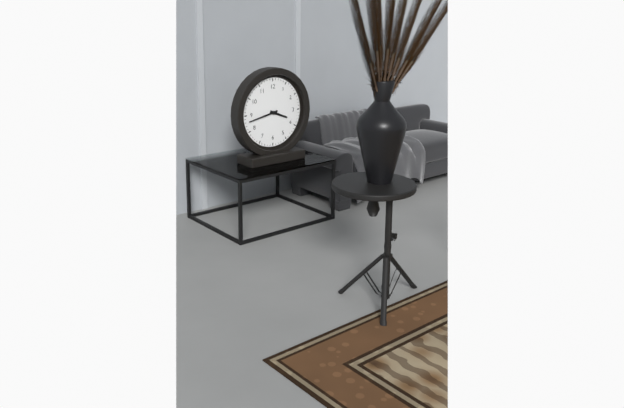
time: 3:43
